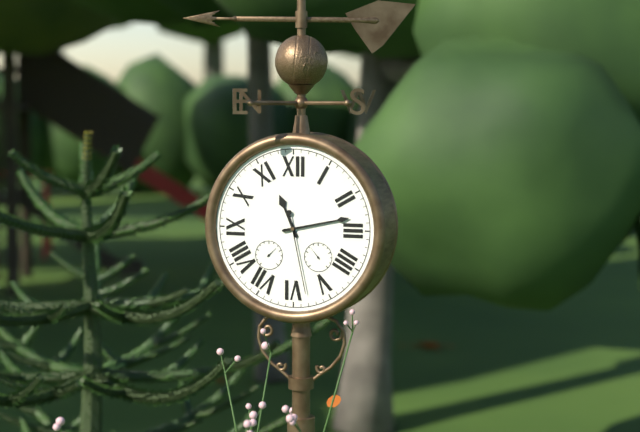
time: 11:13:28
